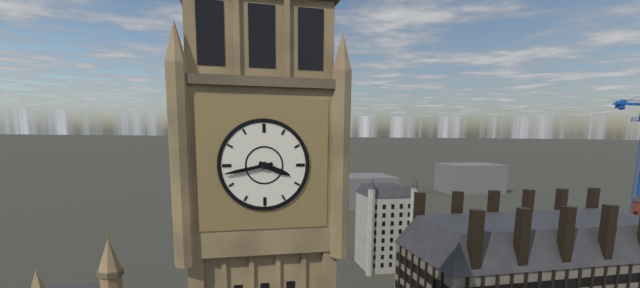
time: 3:43
